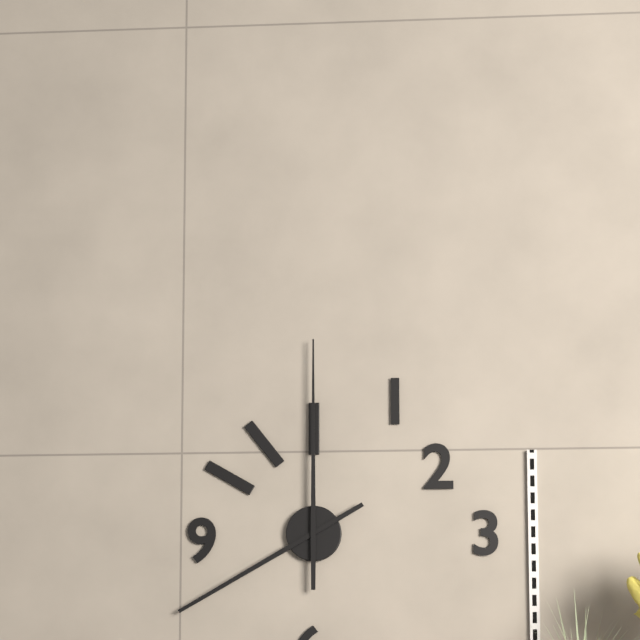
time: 8:00
